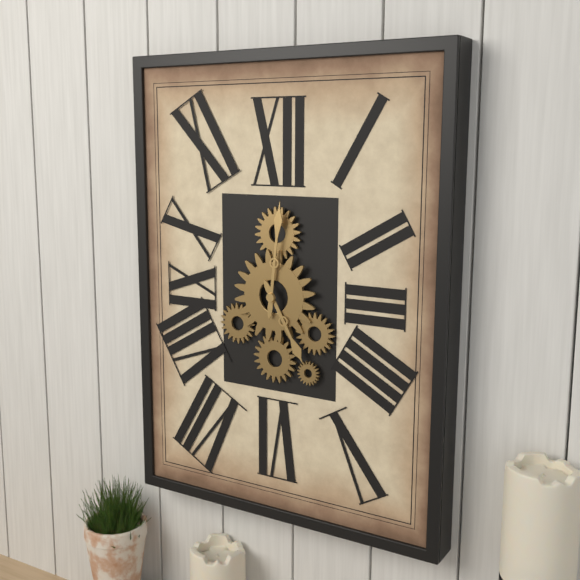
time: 5:01
